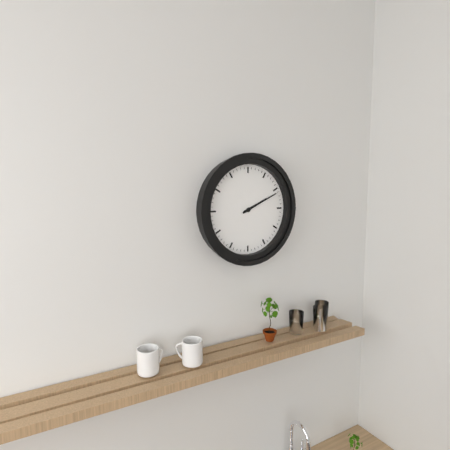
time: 2:11
